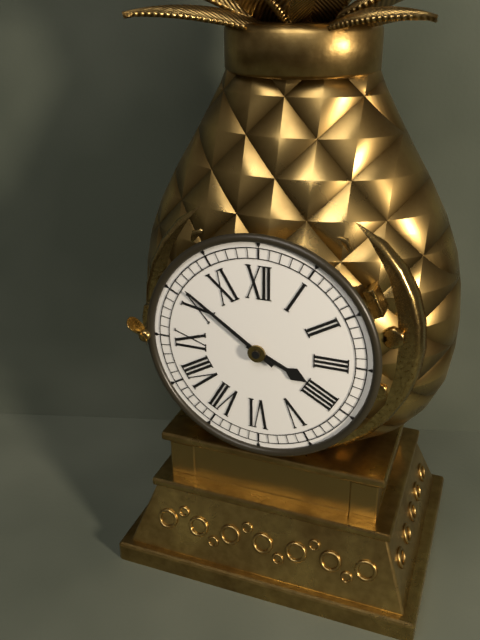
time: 3:51
